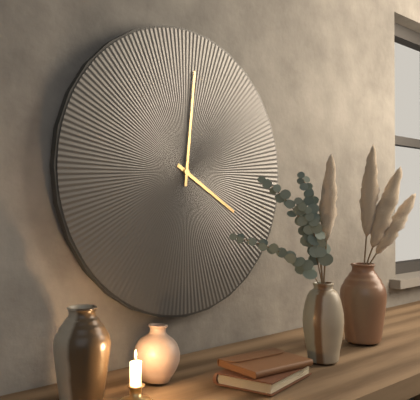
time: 4:01
